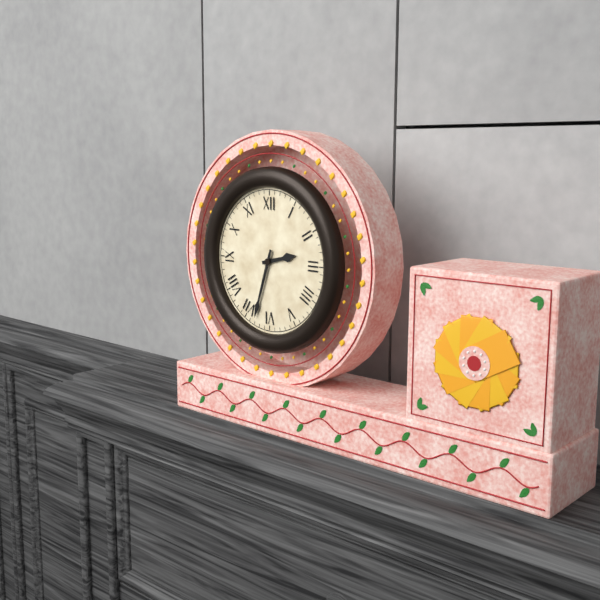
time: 2:33
